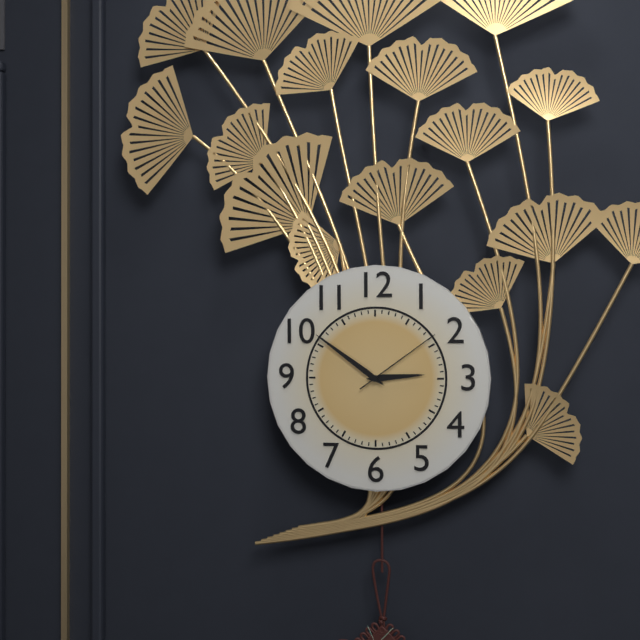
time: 2:51:09
